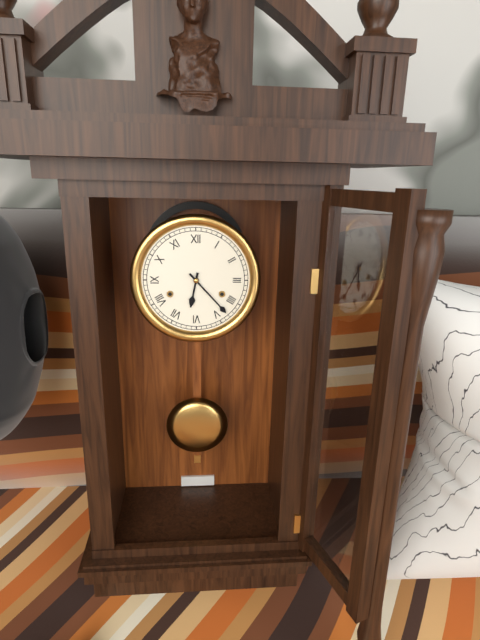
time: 6:23
